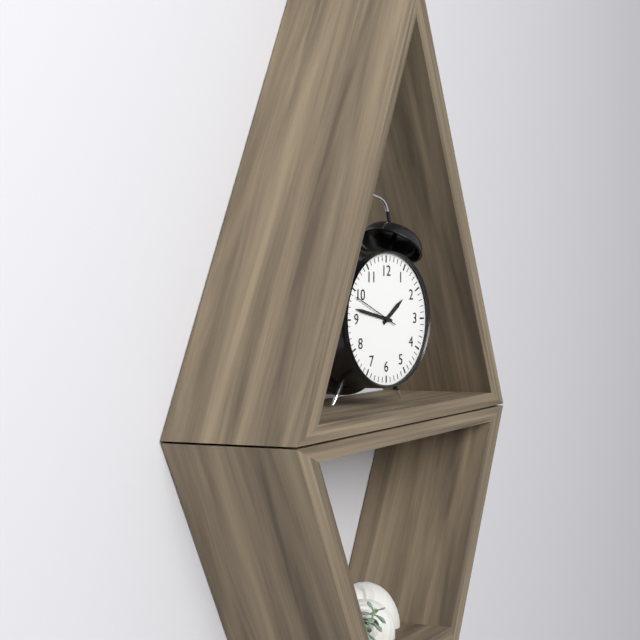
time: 1:47
